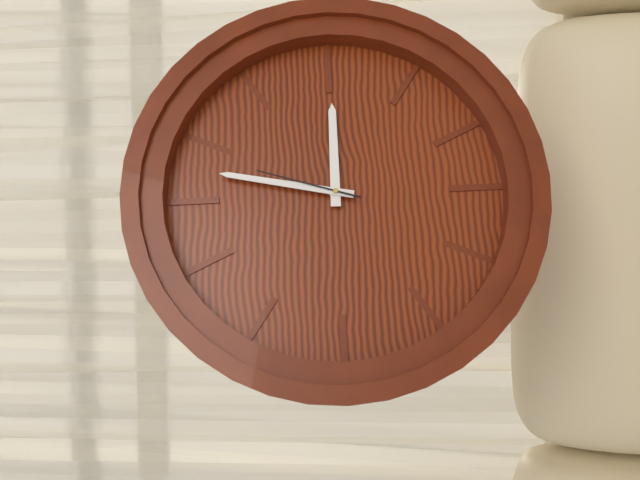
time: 3:02:03
